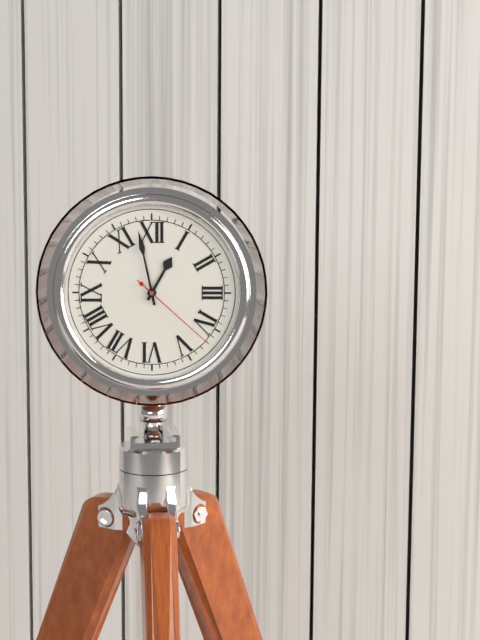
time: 12:58:22
